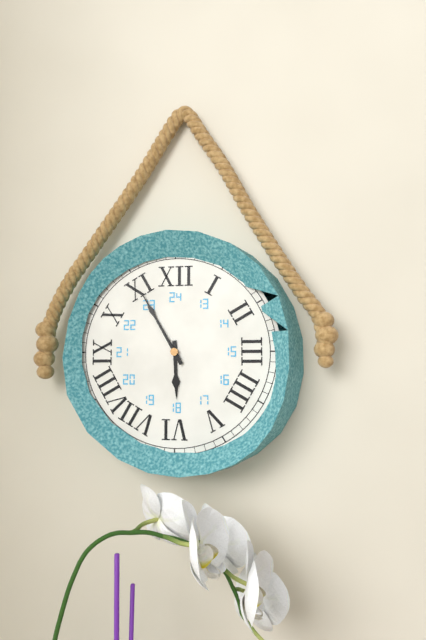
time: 5:55
